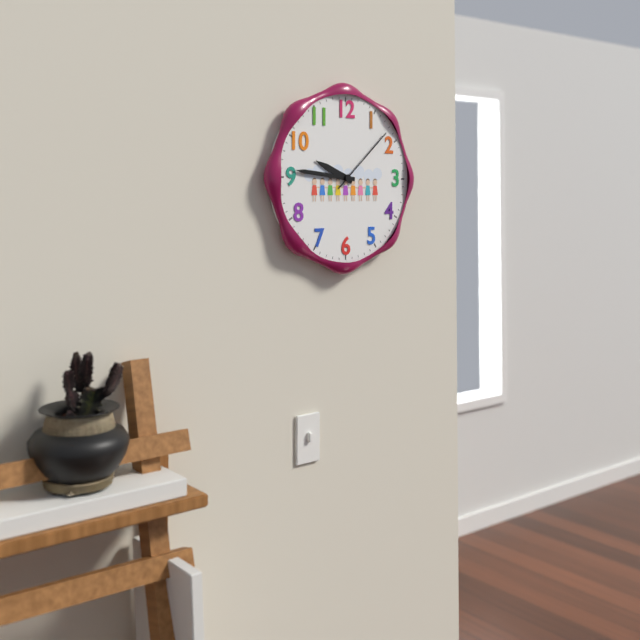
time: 9:46:08
